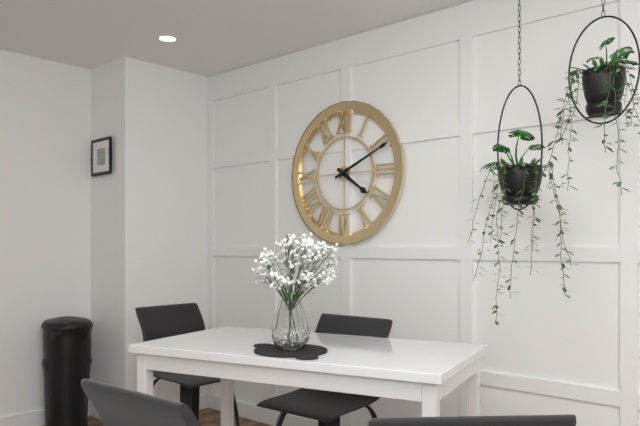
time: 4:11
